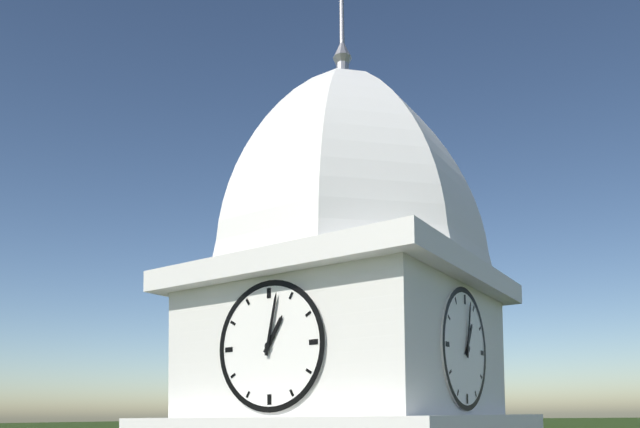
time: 1:02
